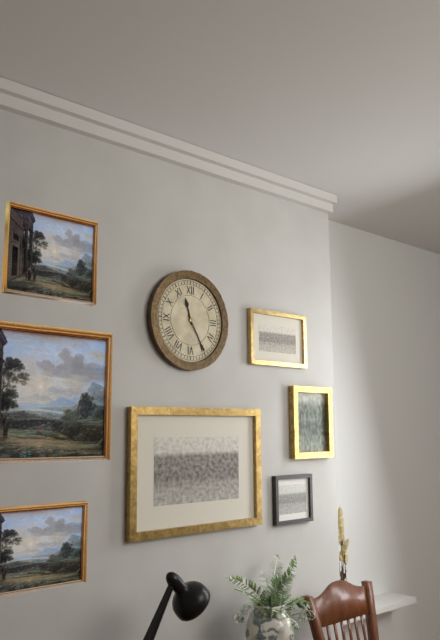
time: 11:25
